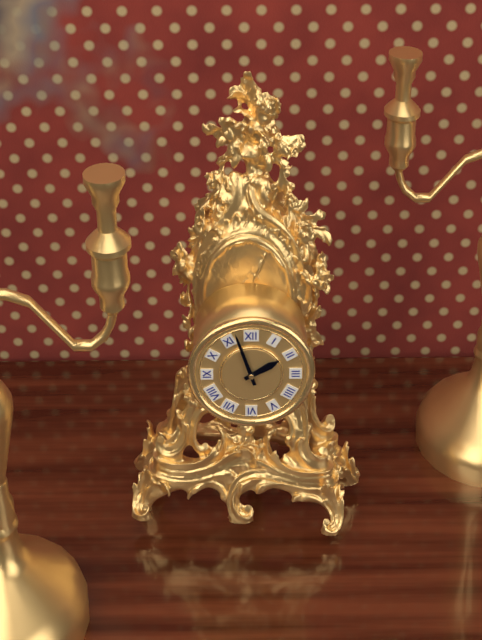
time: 1:57
